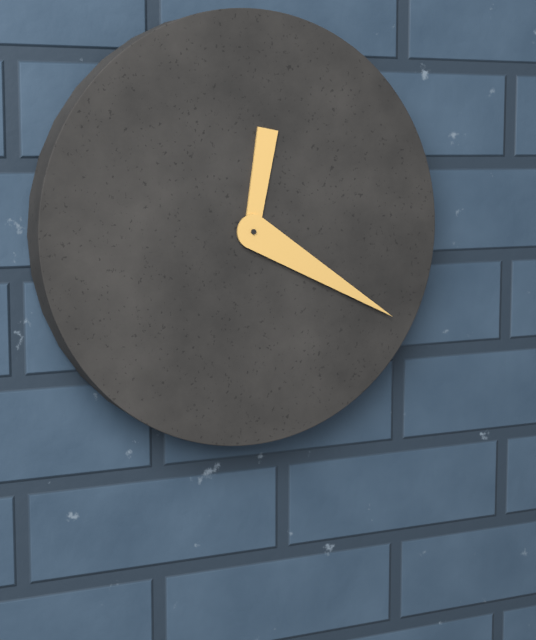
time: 12:20
